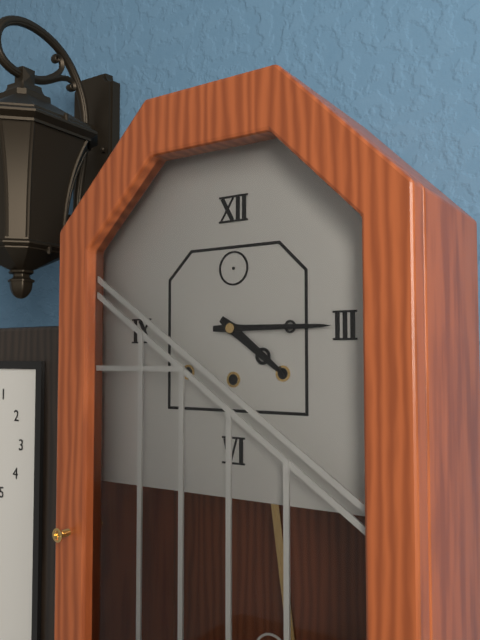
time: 4:15
